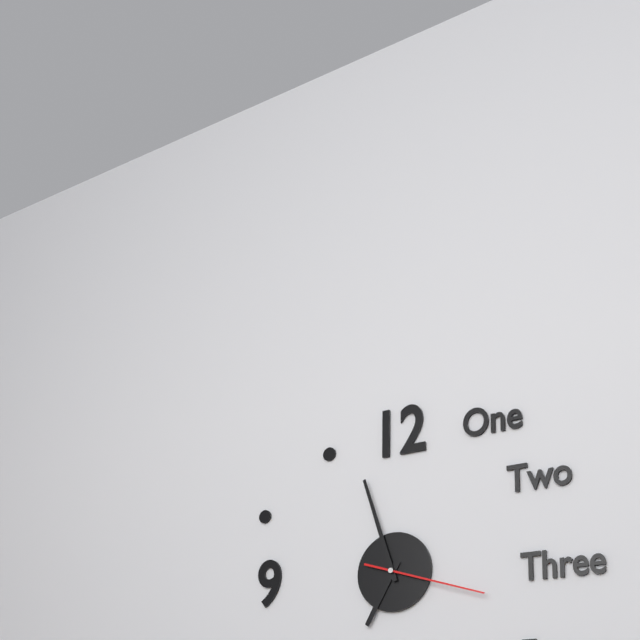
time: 6:57:18
